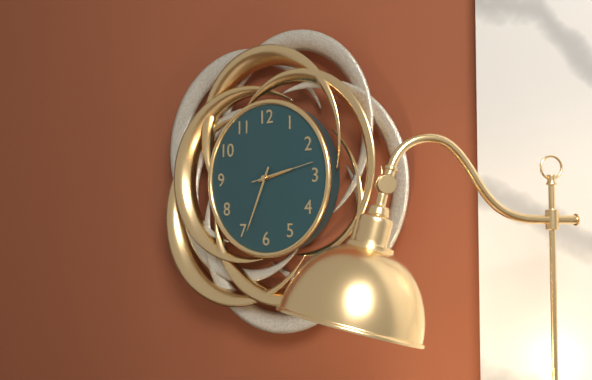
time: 2:34:13
